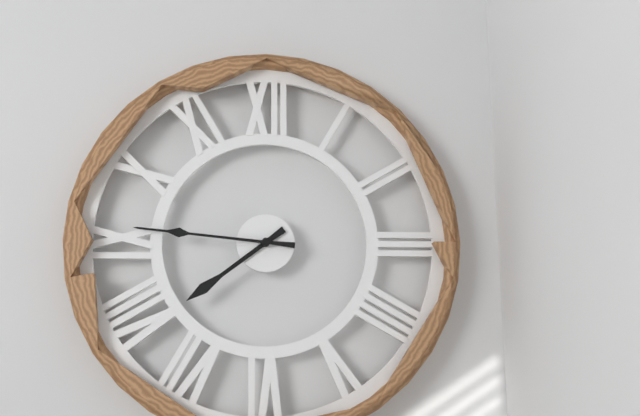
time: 7:46
